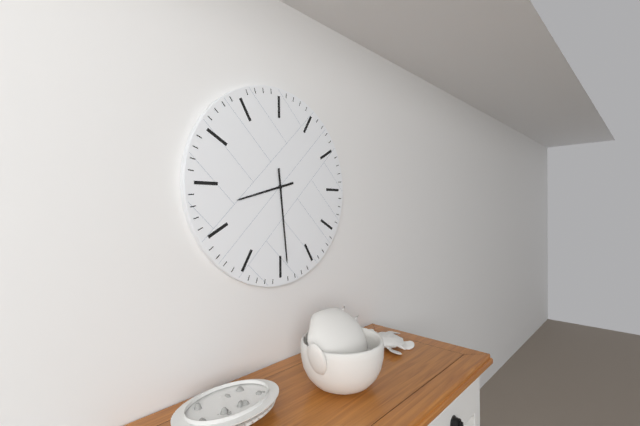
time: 8:29
